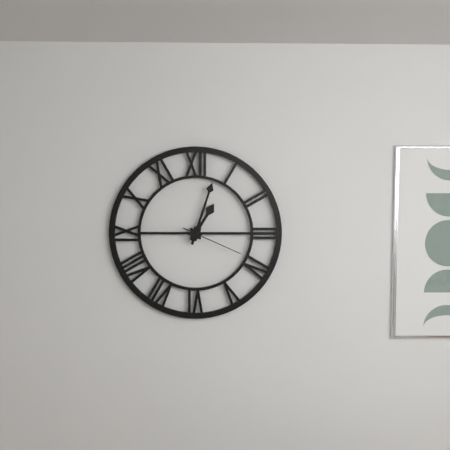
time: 1:03:19
